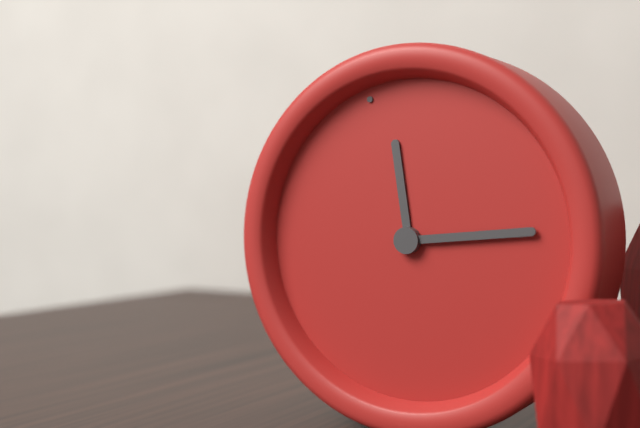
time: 12:17
